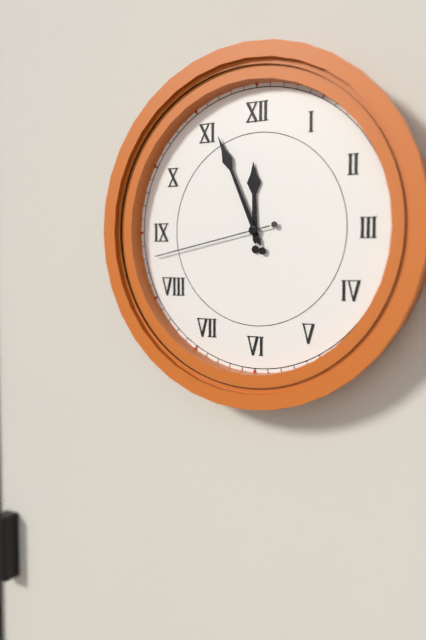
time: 11:56:43
